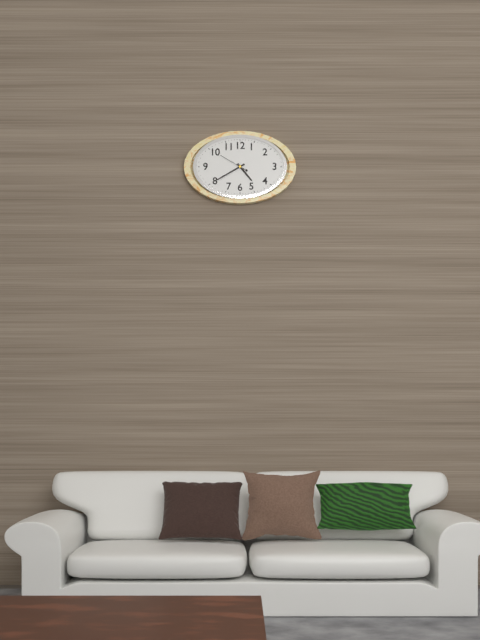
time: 4:40
